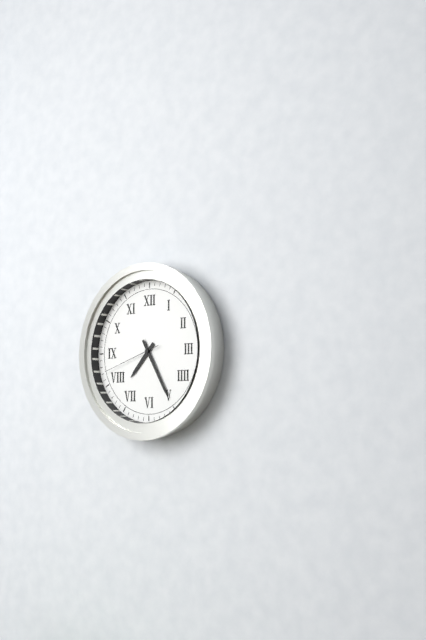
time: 7:25:42
